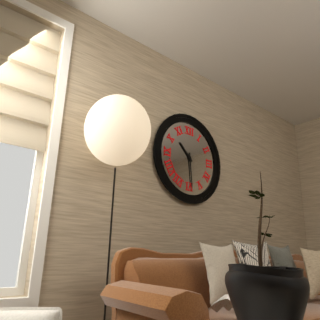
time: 10:29
